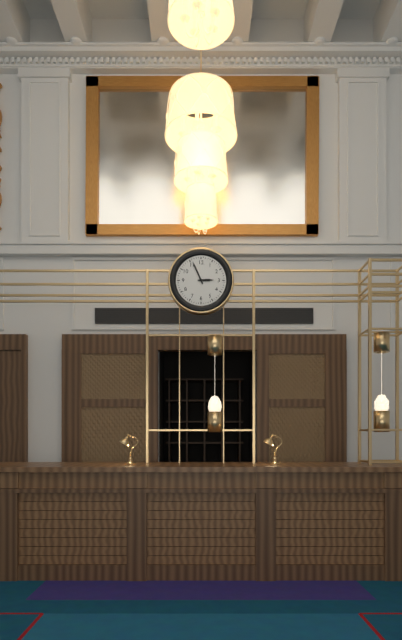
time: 2:56
